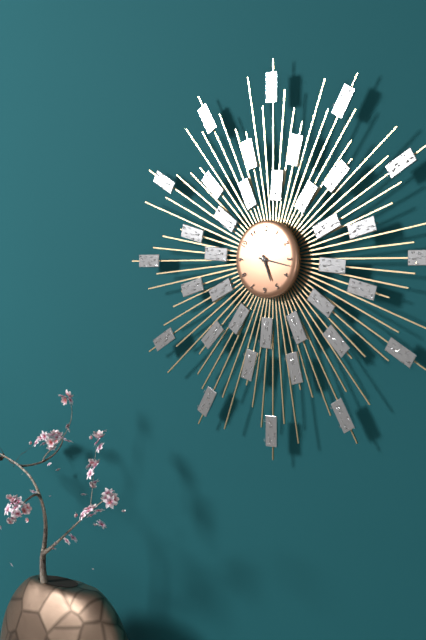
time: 5:17
